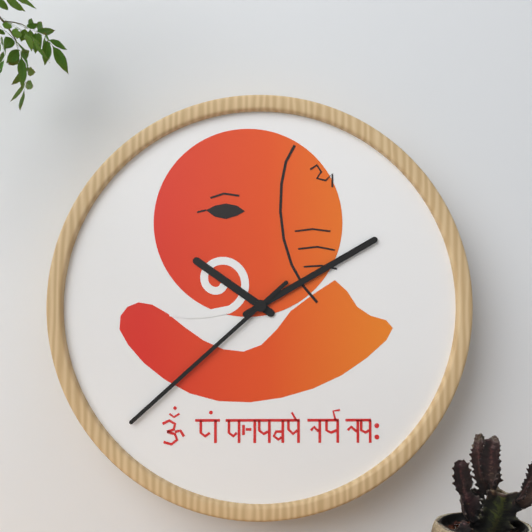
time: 10:10:38
